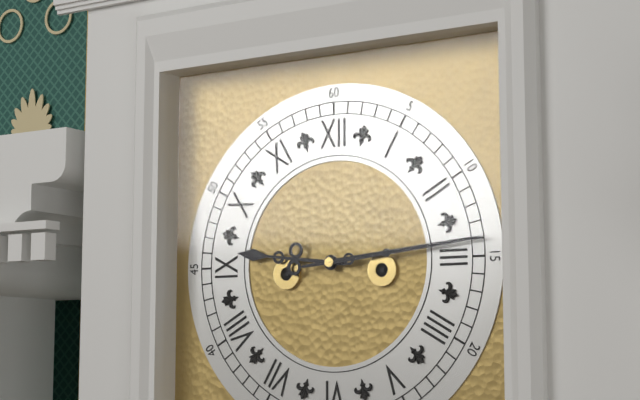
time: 9:14
